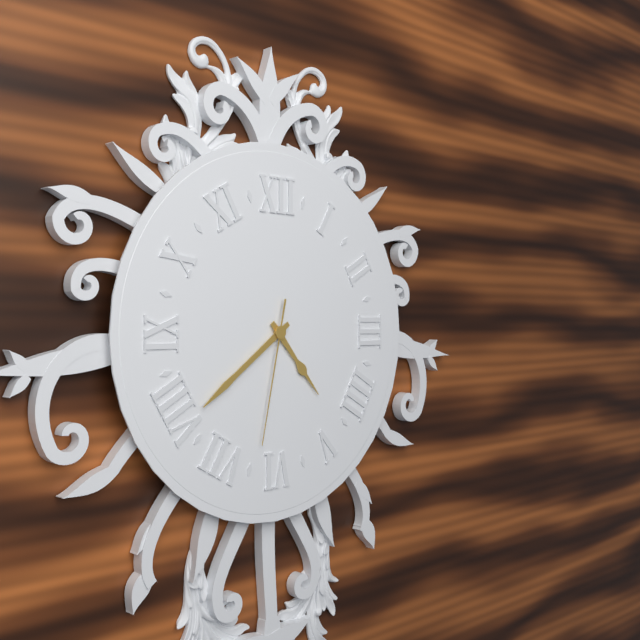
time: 4:39:32
